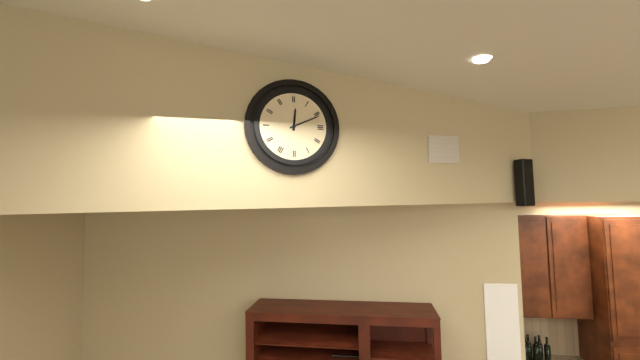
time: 12:11
